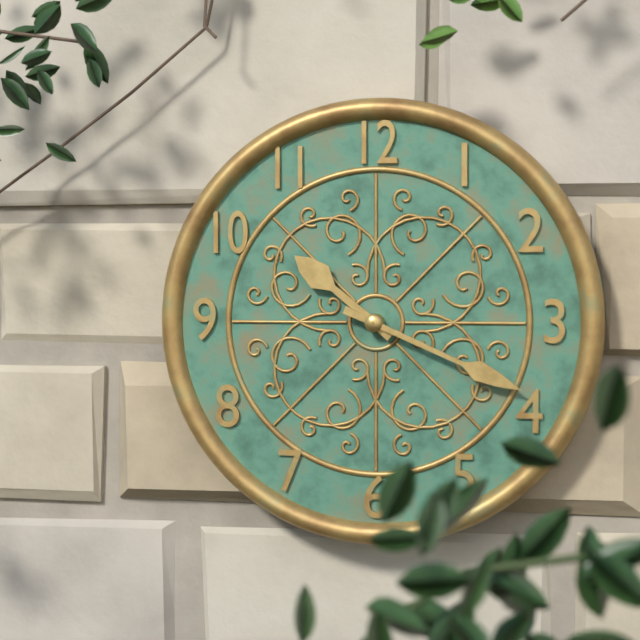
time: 10:19
